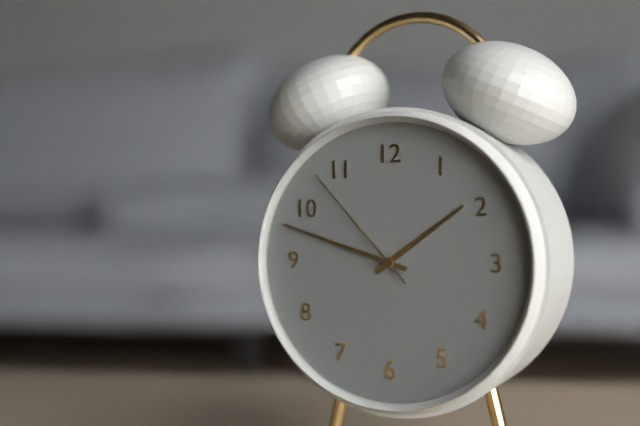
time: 1:48:53
